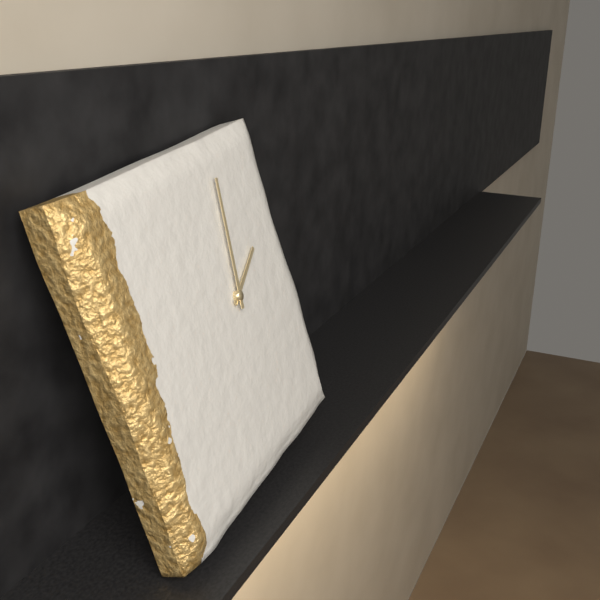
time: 2:02
